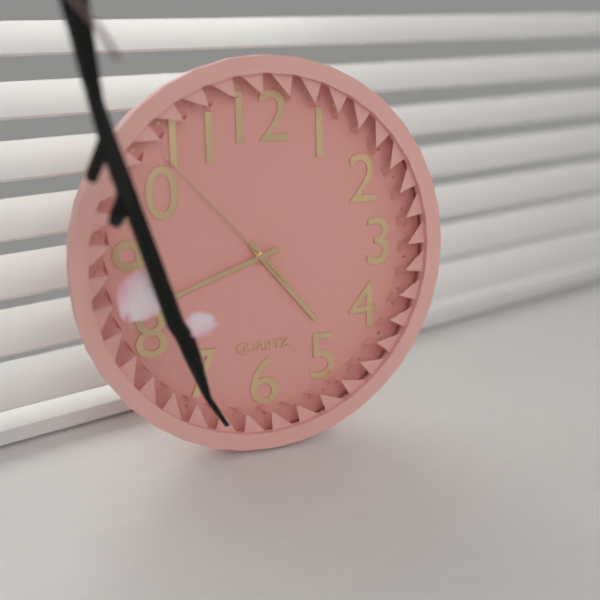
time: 4:42:53
